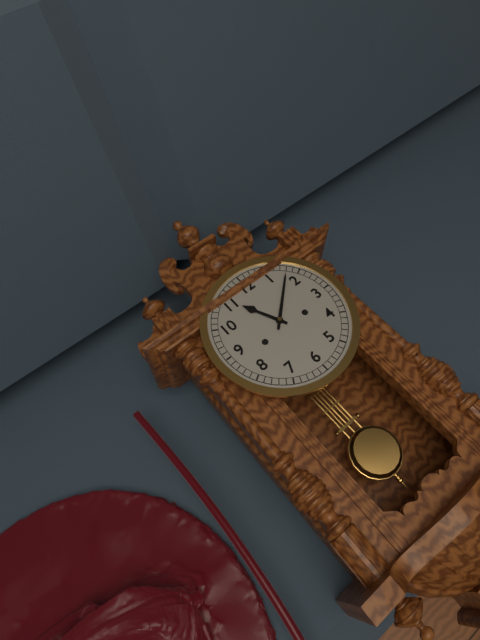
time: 11:08
